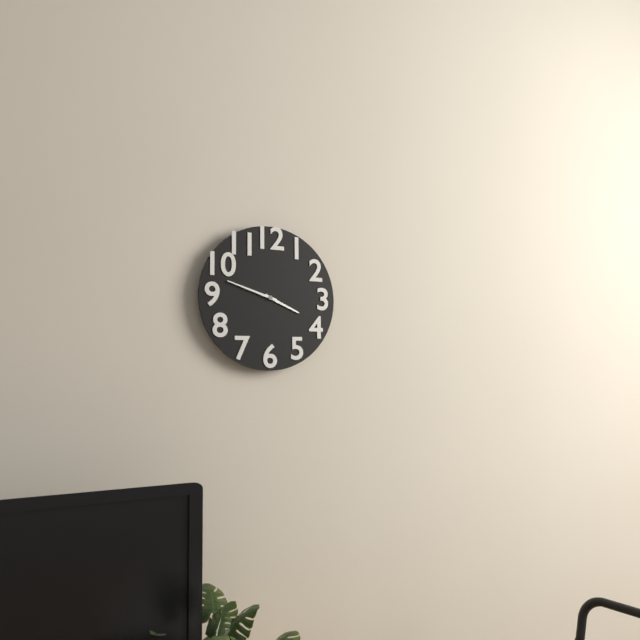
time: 3:48
